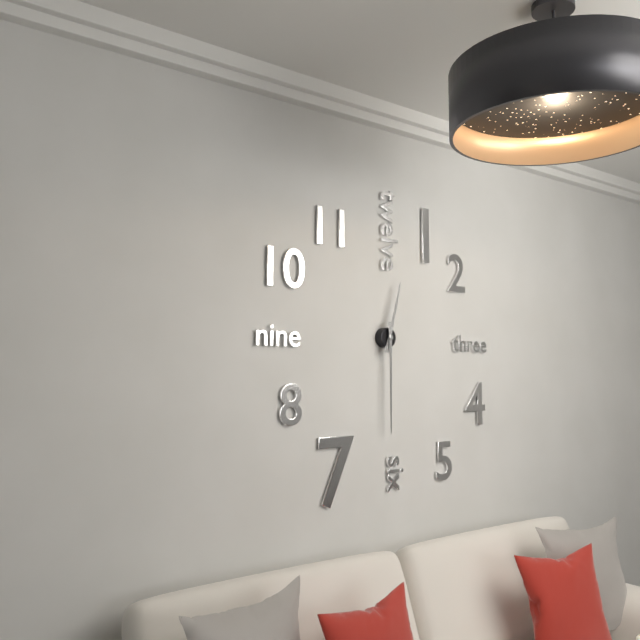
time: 12:30
